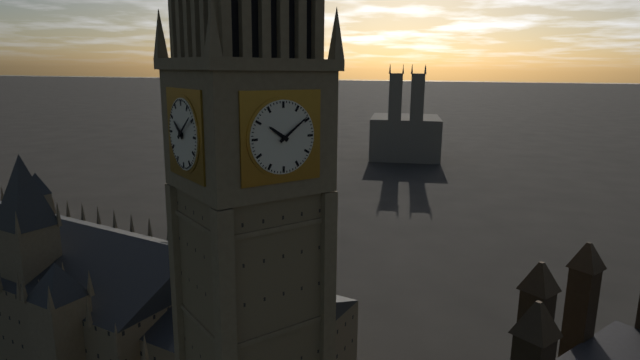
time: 10:09
